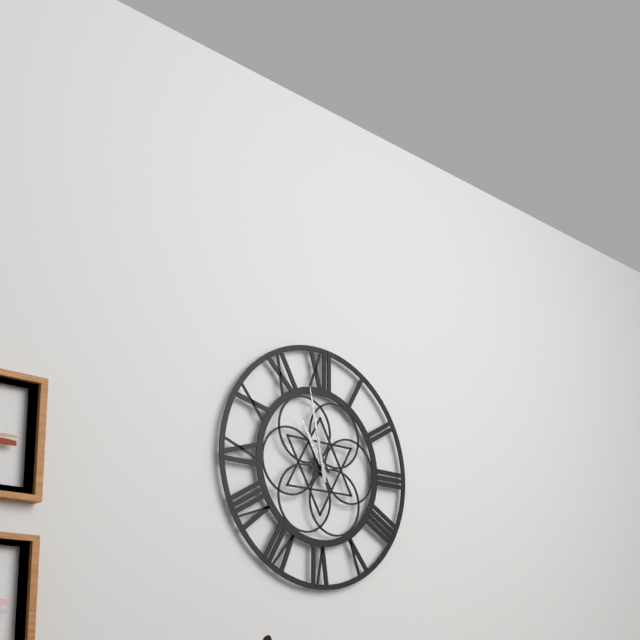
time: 10:58
